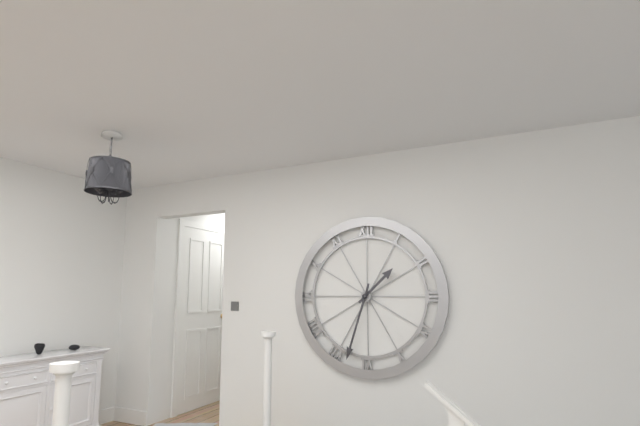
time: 1:33
